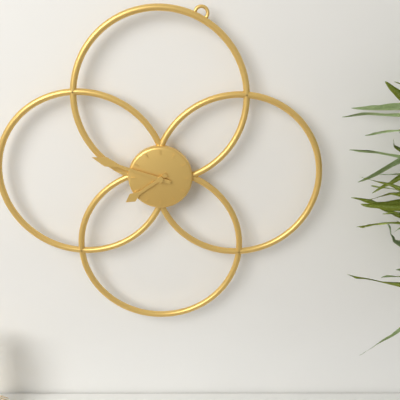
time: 7:48
